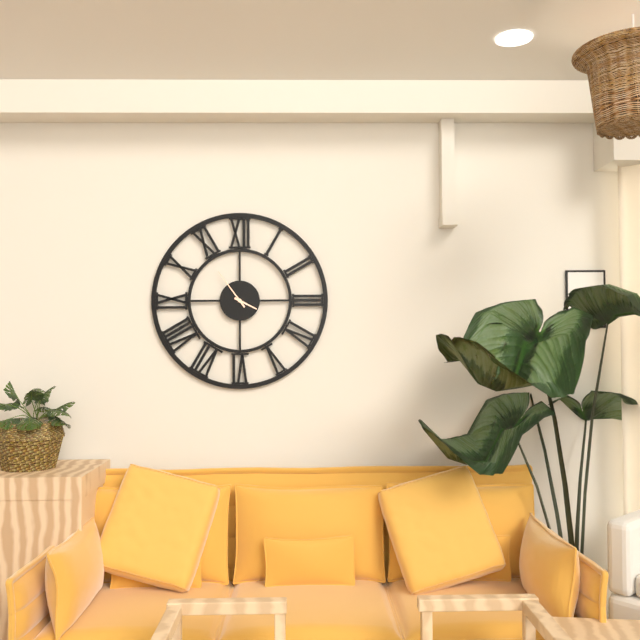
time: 3:54
